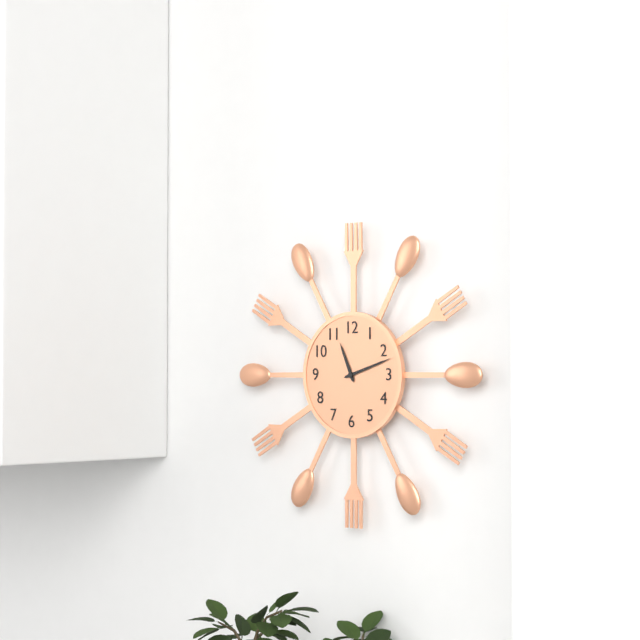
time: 11:12
